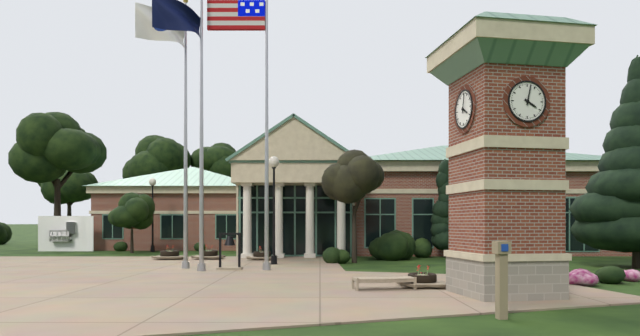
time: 4:02
